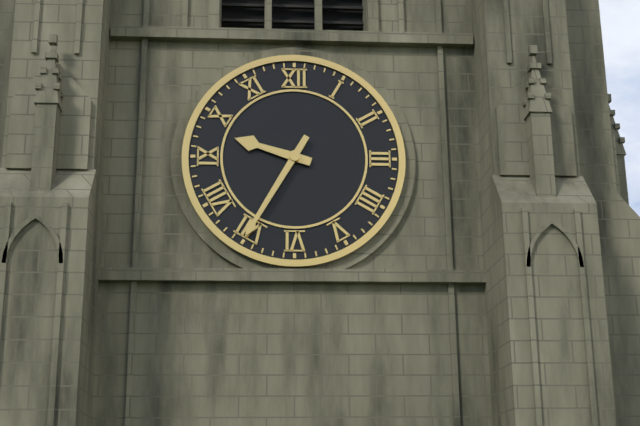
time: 9:35
